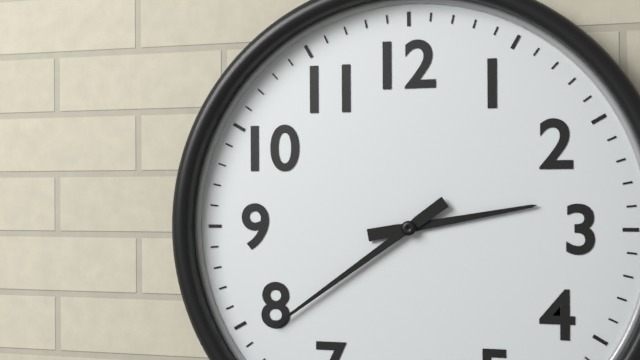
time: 2:39
